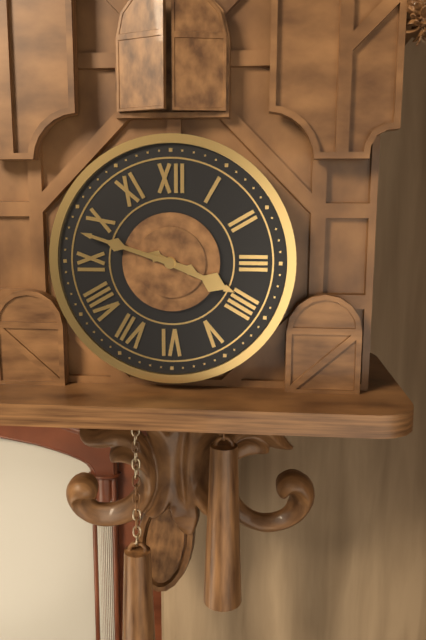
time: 3:48
